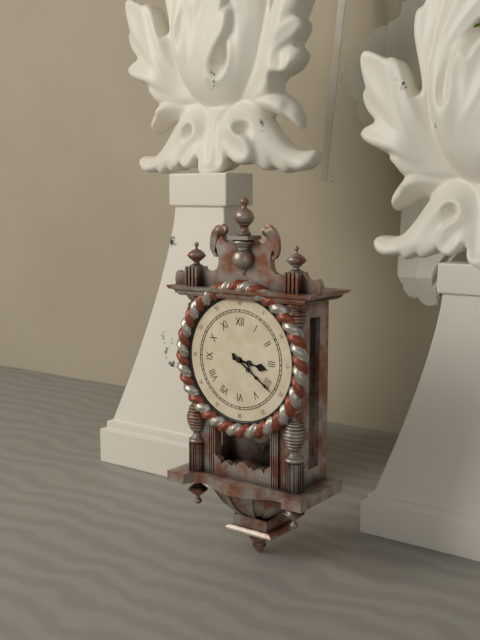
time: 3:21
